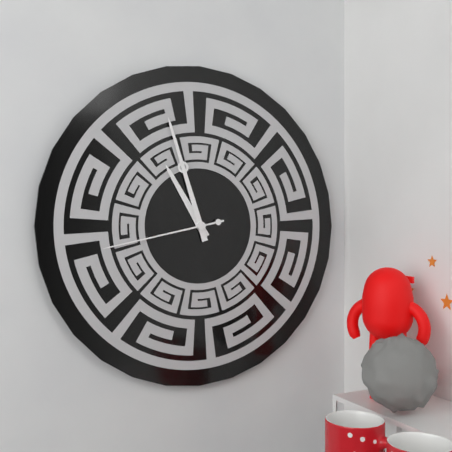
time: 10:57:43
